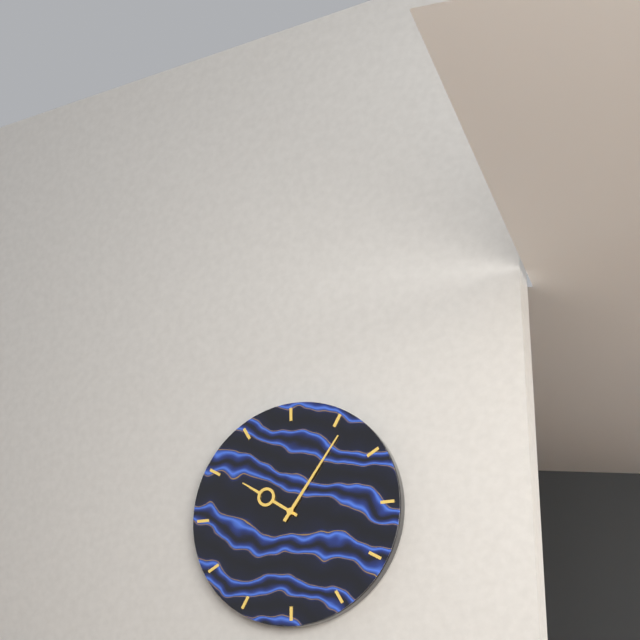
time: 10:06
